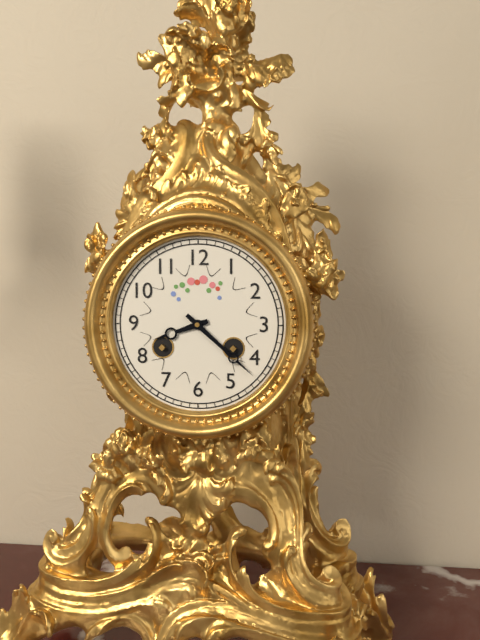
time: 8:22
